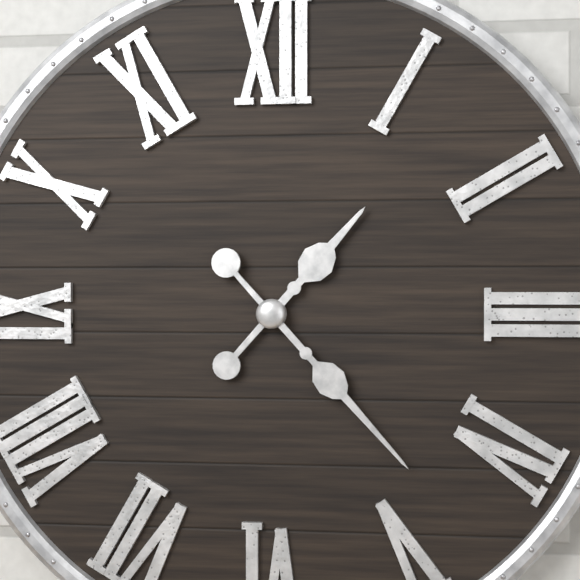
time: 1:23
